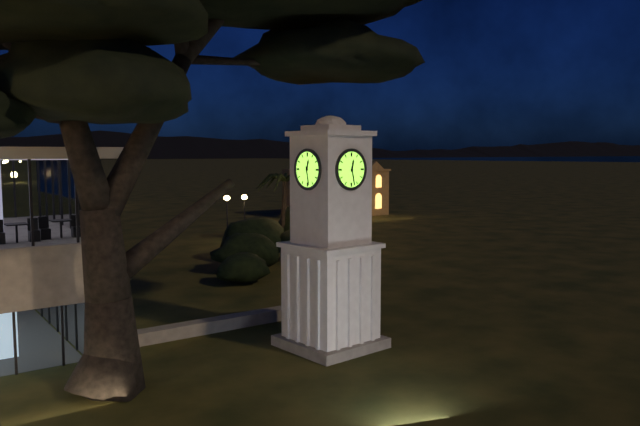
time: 12:28
